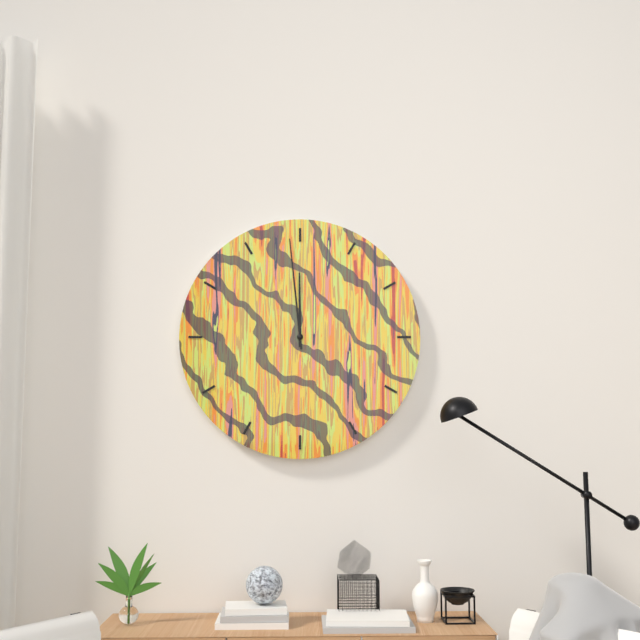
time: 11:59
